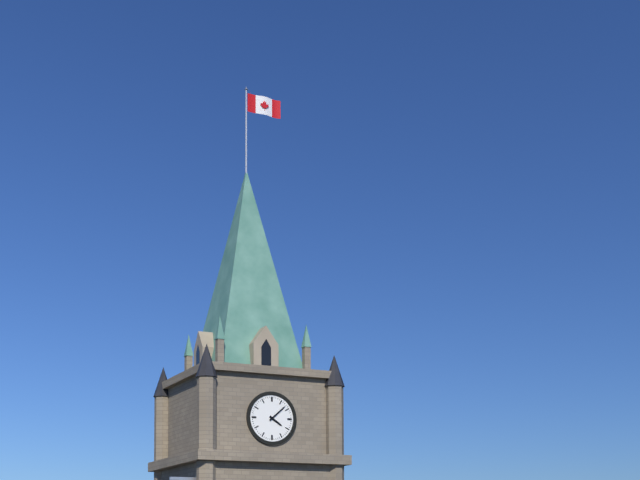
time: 4:08
